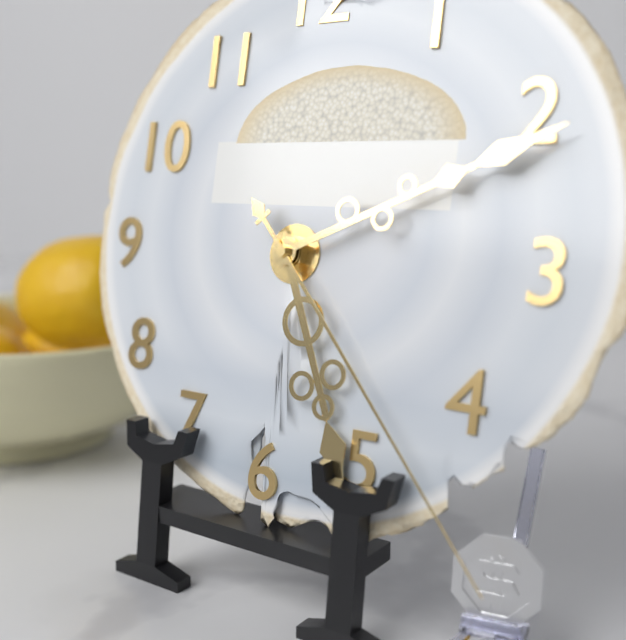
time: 5:11:23
